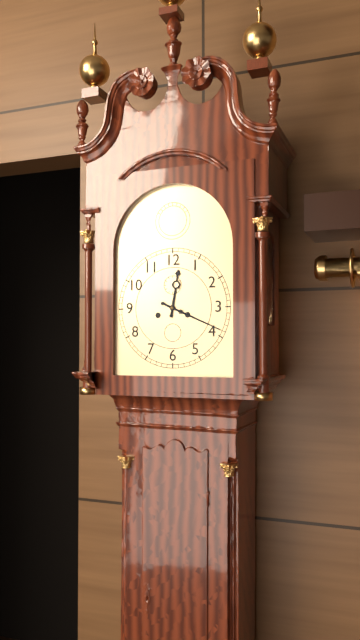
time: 12:19
